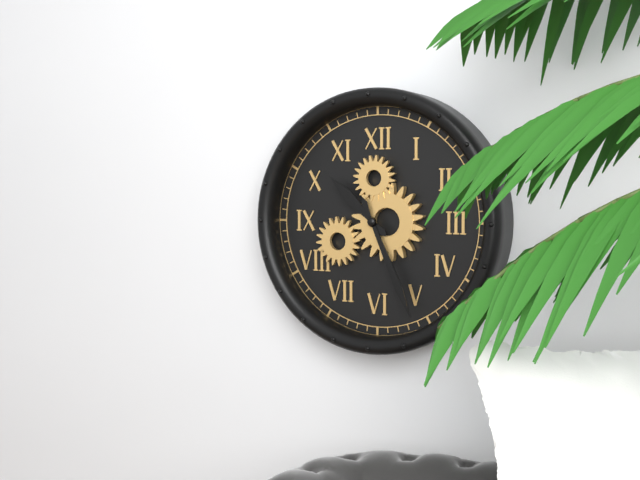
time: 10:26
